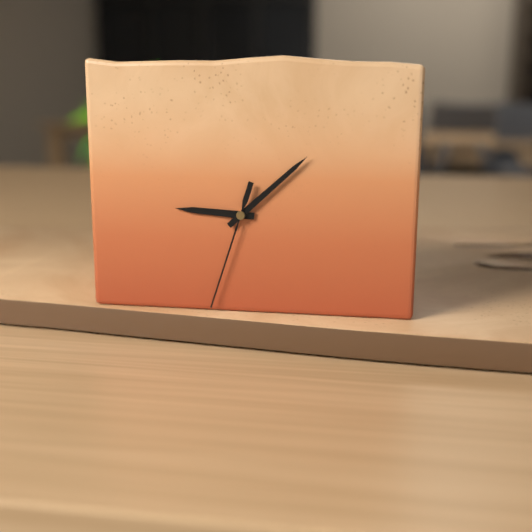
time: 9:08:33
